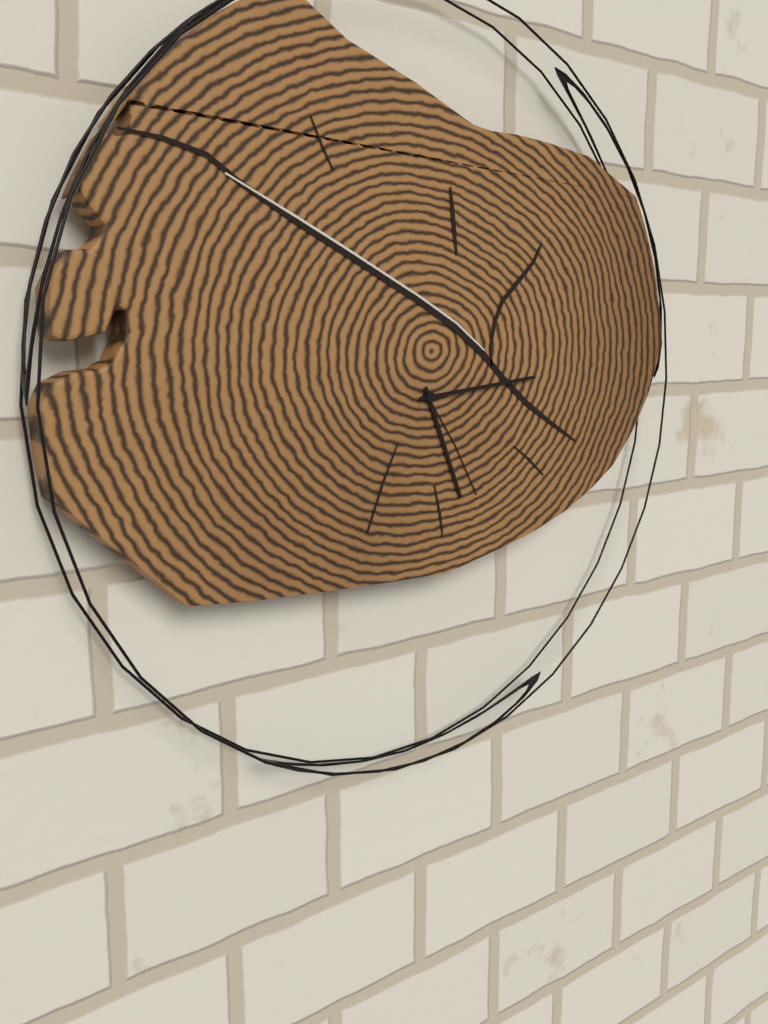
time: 5:14
